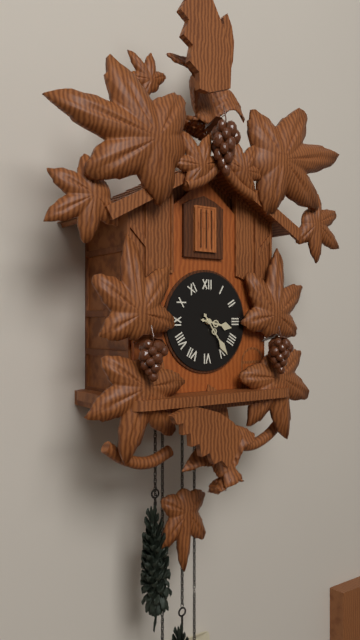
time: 3:24
